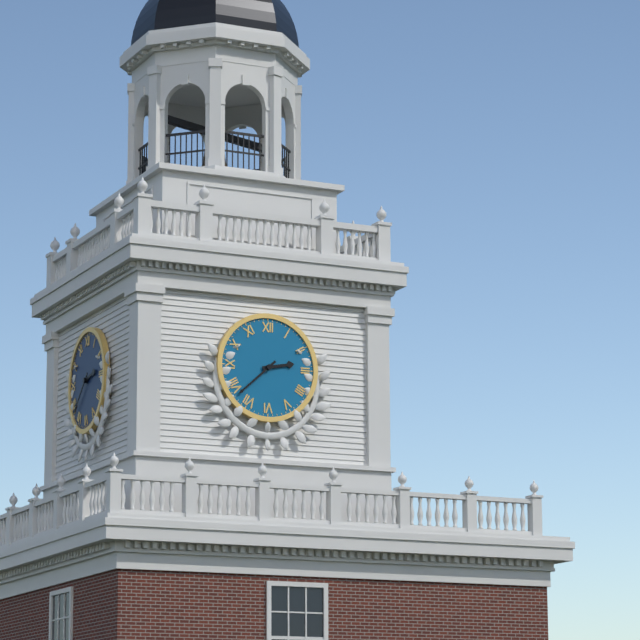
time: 2:38
